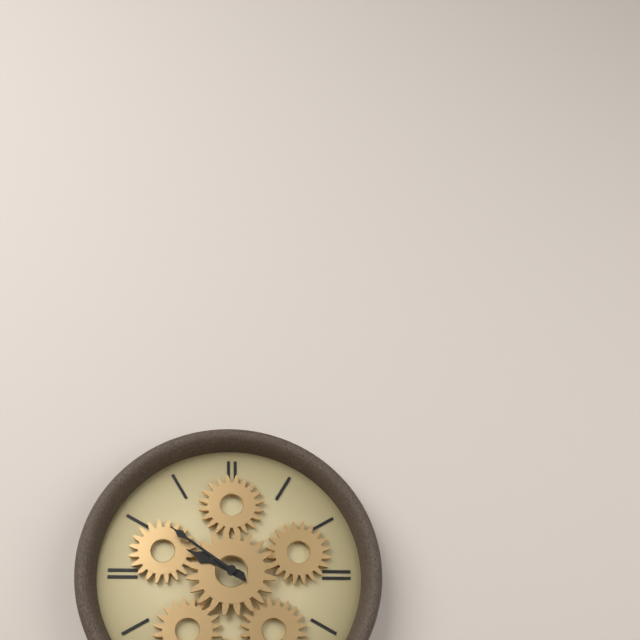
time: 9:51
